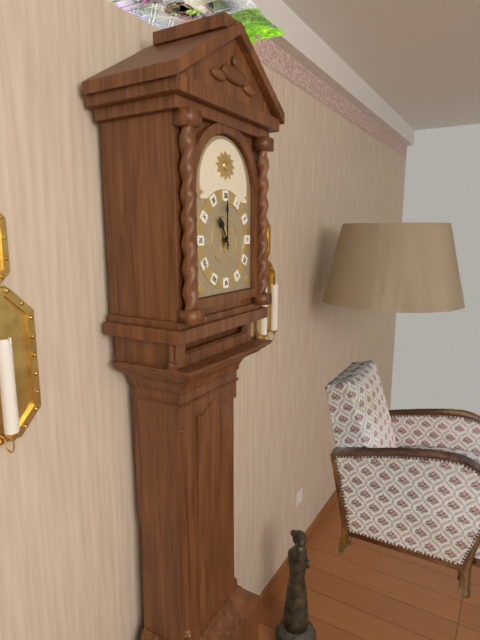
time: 11:00
